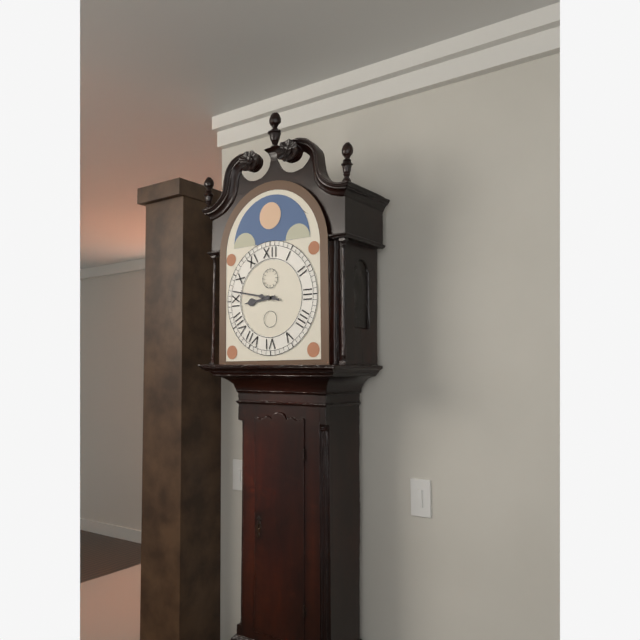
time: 8:47
